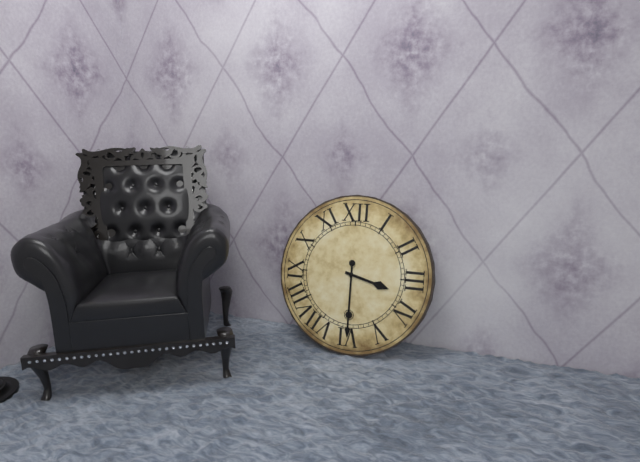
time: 3:30
